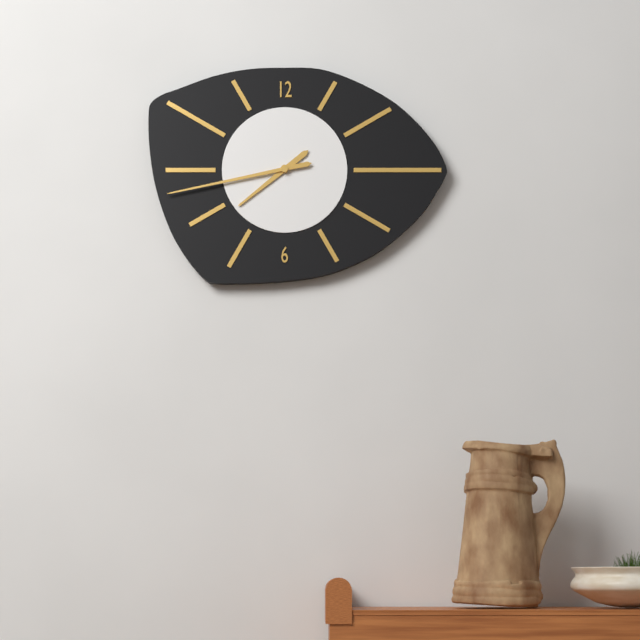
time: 7:43
